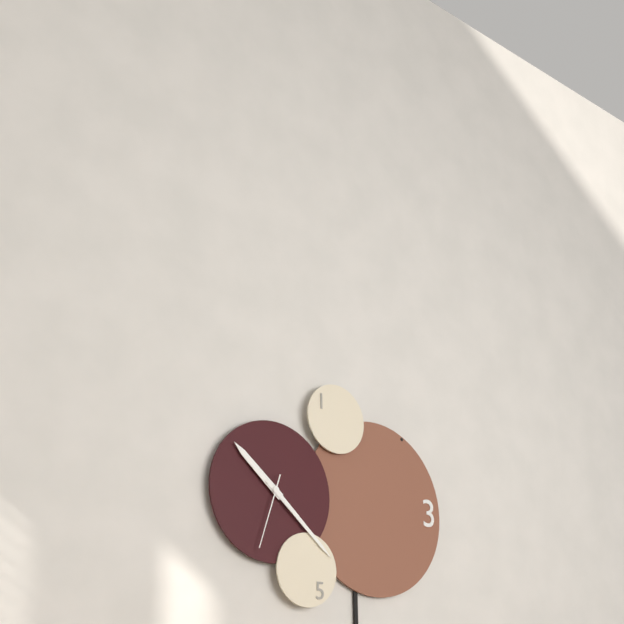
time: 10:22:33
